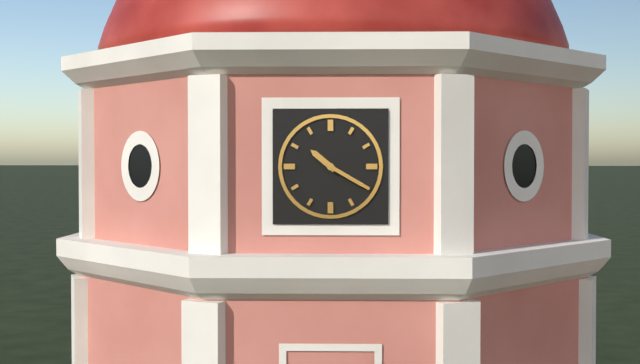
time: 10:20
